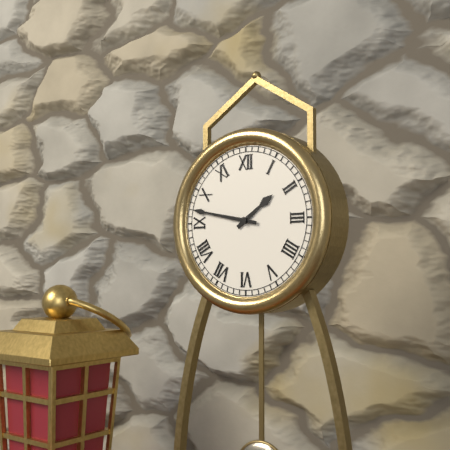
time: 1:47
